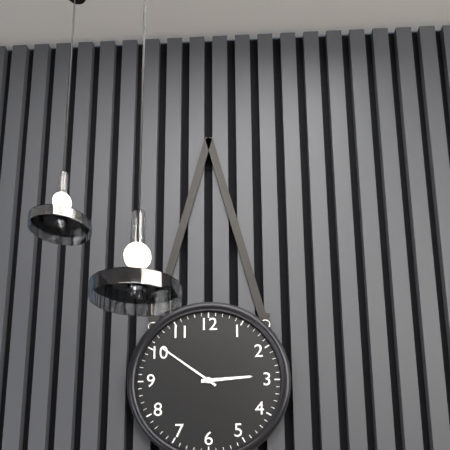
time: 2:51
